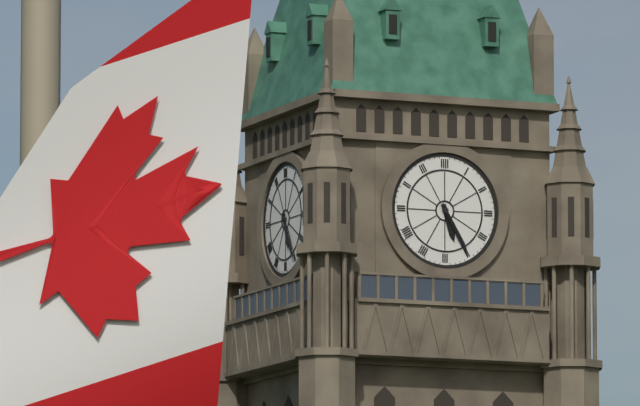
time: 5:25
